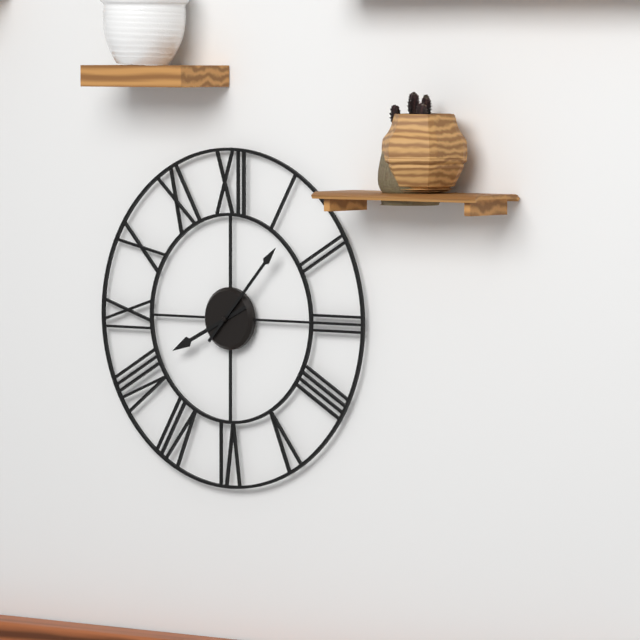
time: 8:07
